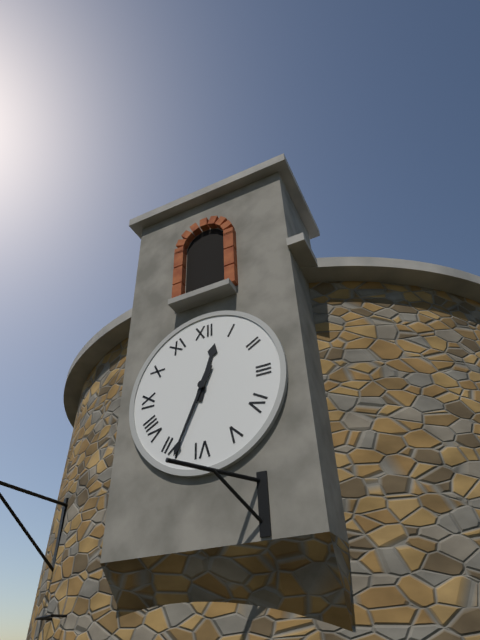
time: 12:34
